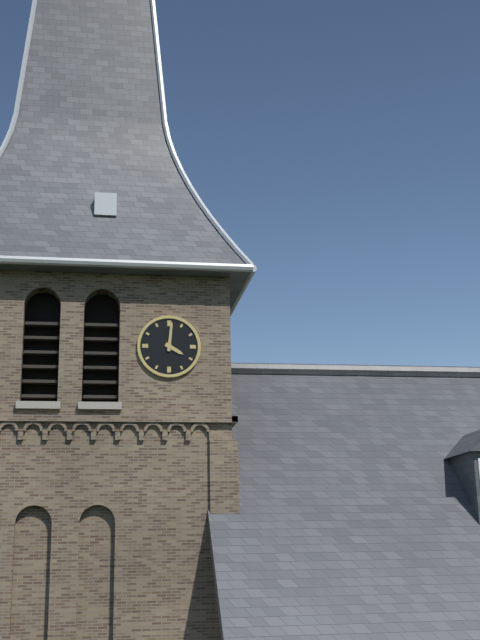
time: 4:01
